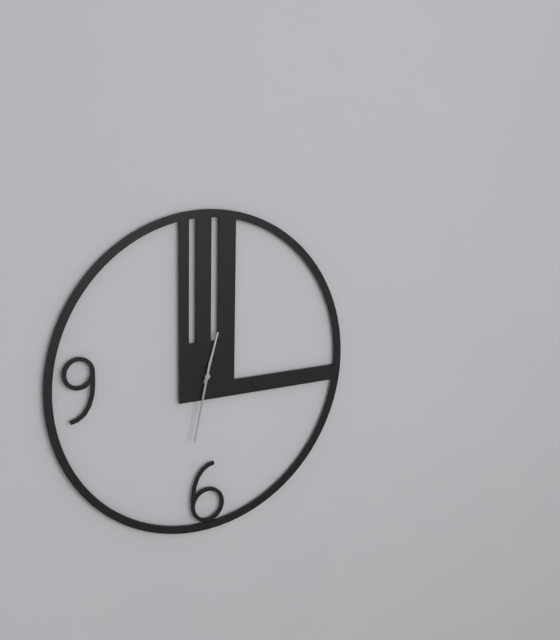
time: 12:32
